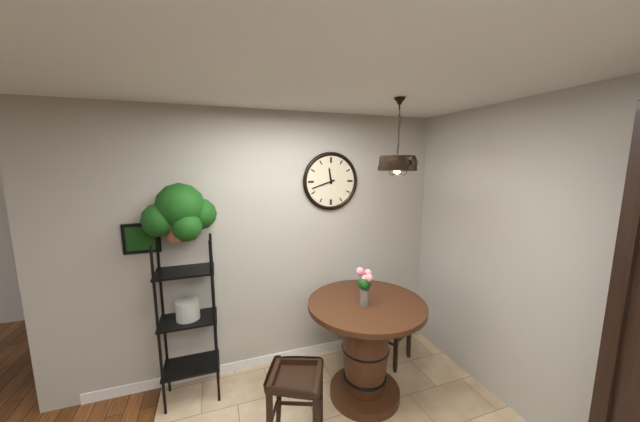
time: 11:42
